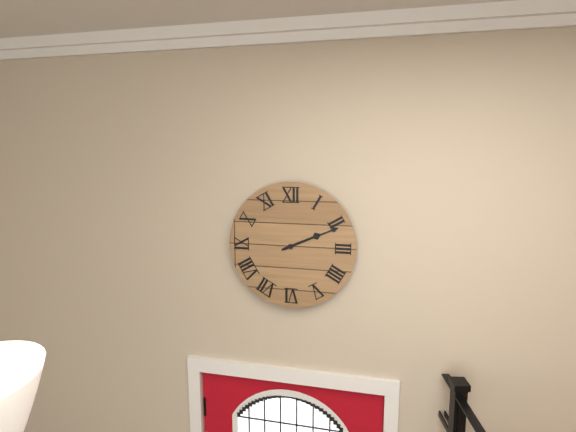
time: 2:11
